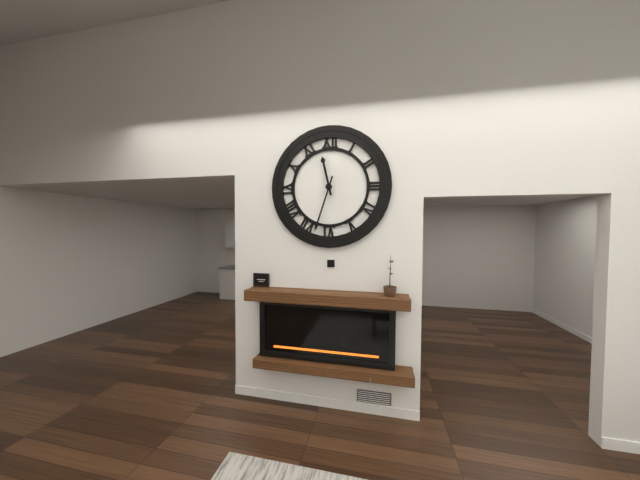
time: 11:33
